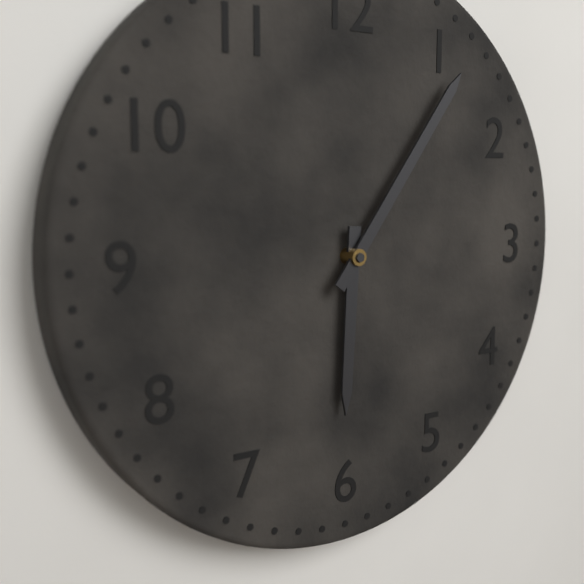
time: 6:06
